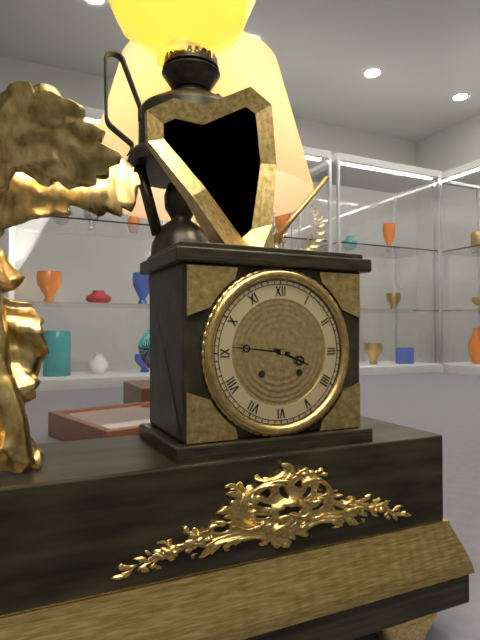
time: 3:46
